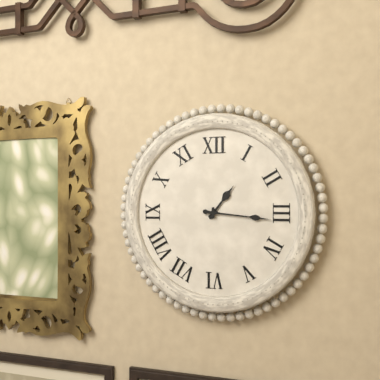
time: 1:16
